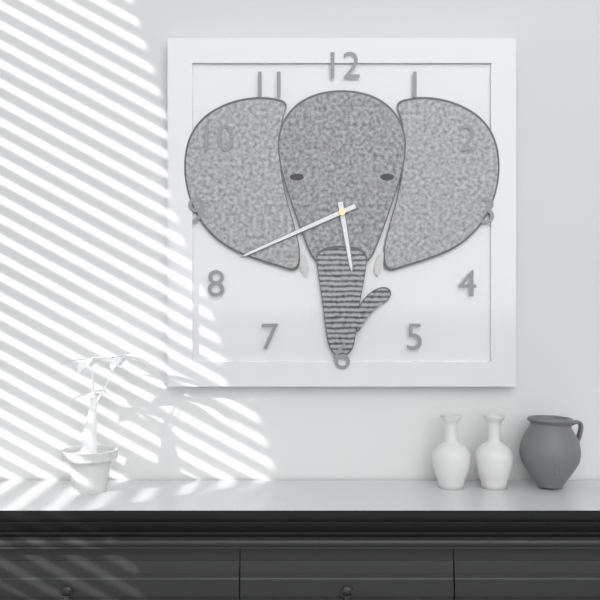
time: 5:41
